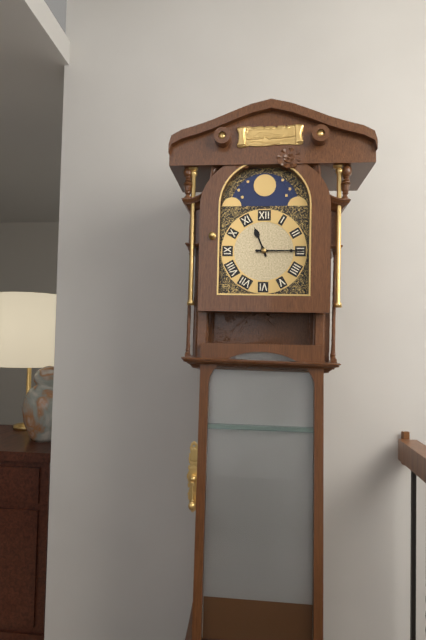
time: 11:15
